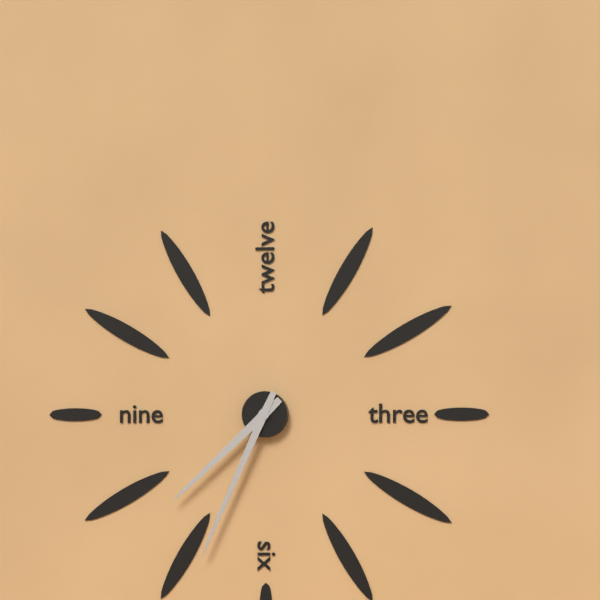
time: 7:34
